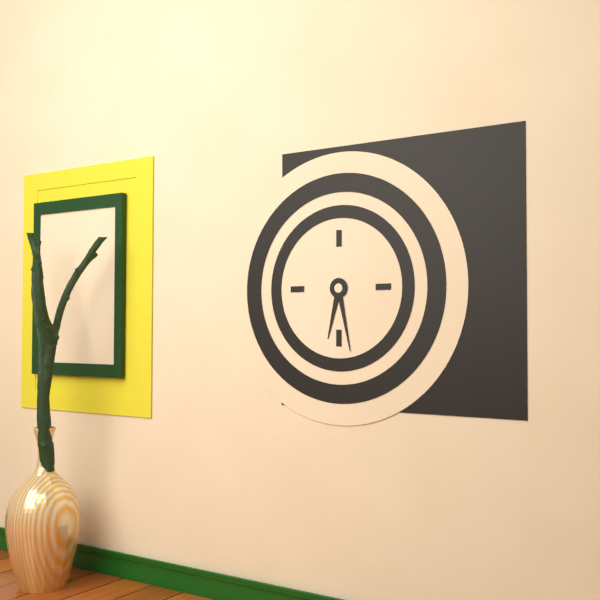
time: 6:28
